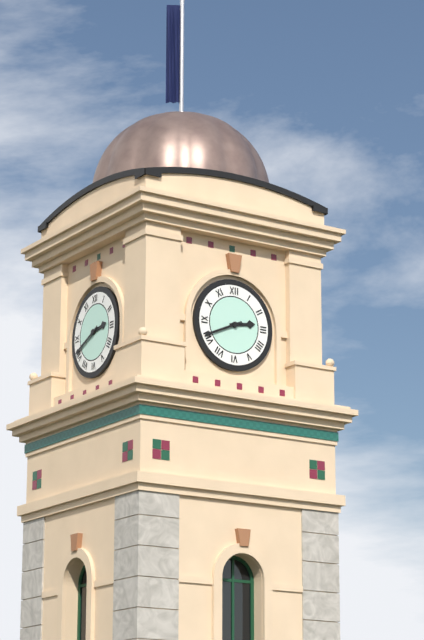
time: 2:41
